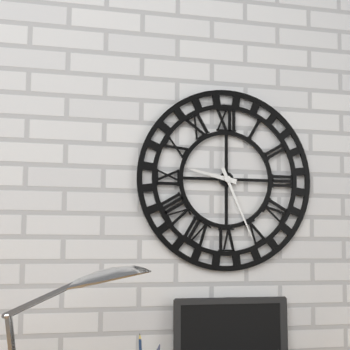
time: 9:26
